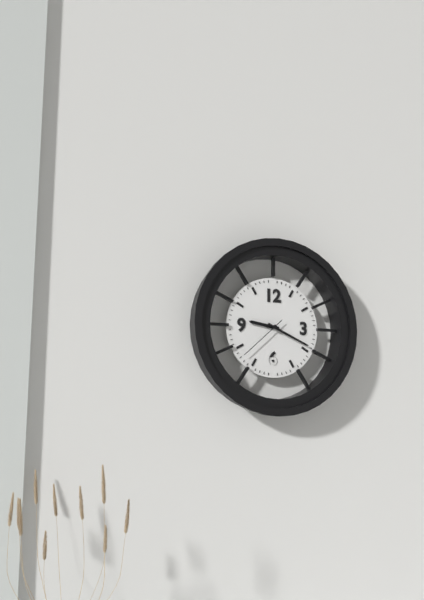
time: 9:19:38
